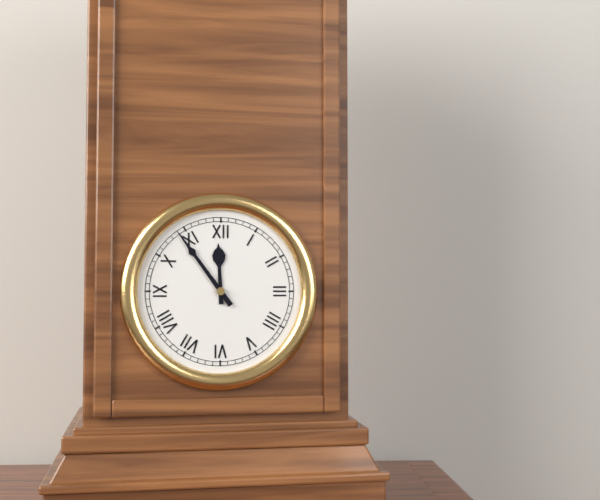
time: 11:54
